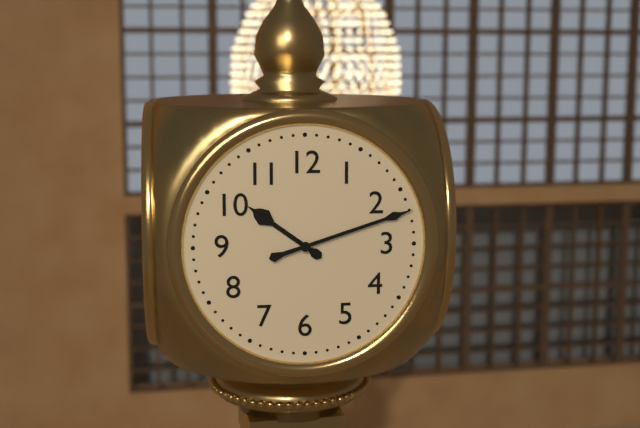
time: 10:12
